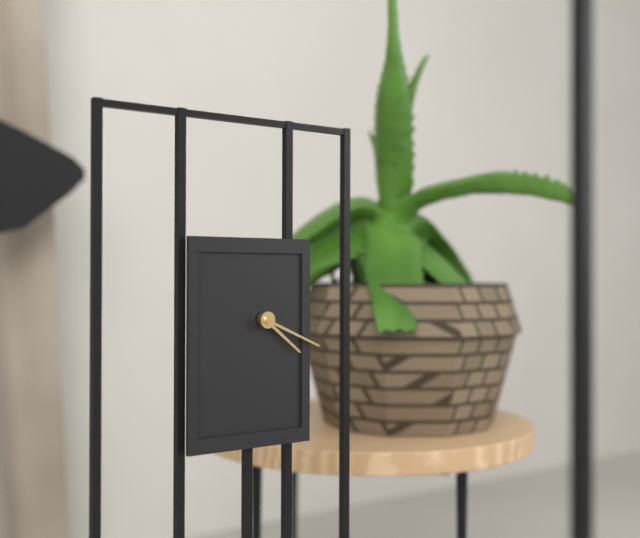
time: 4:19
